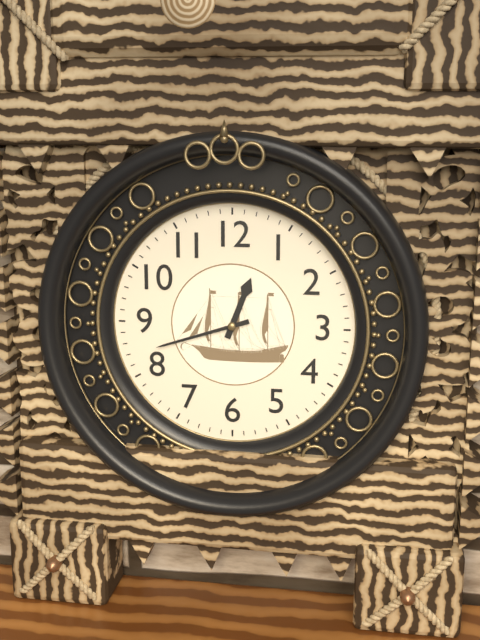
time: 12:42
